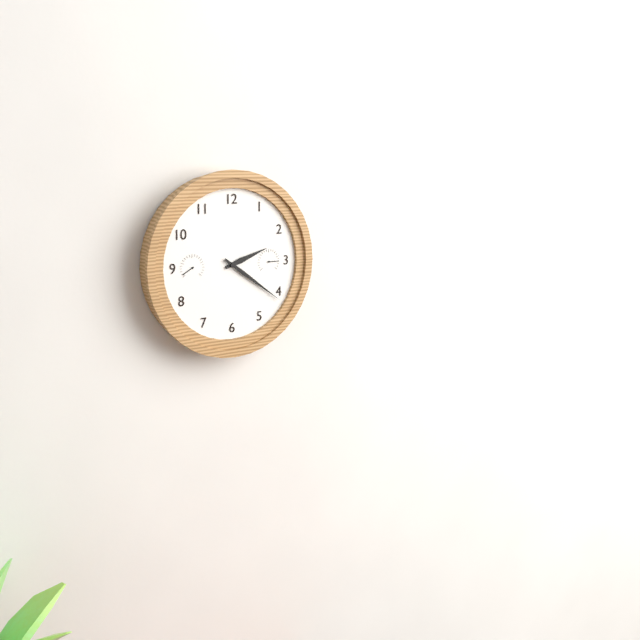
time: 2:21
